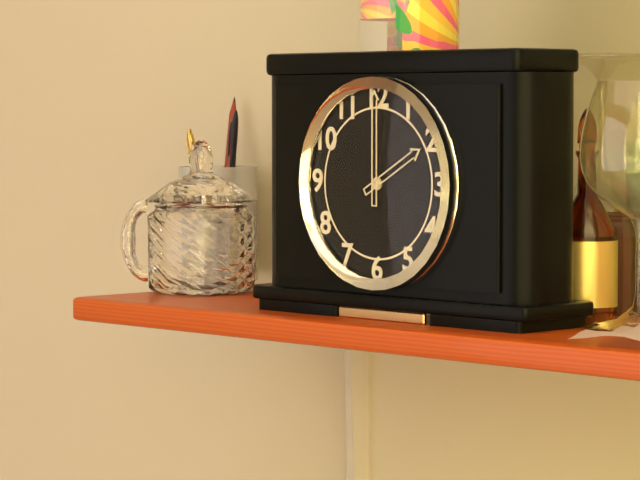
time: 2:00
